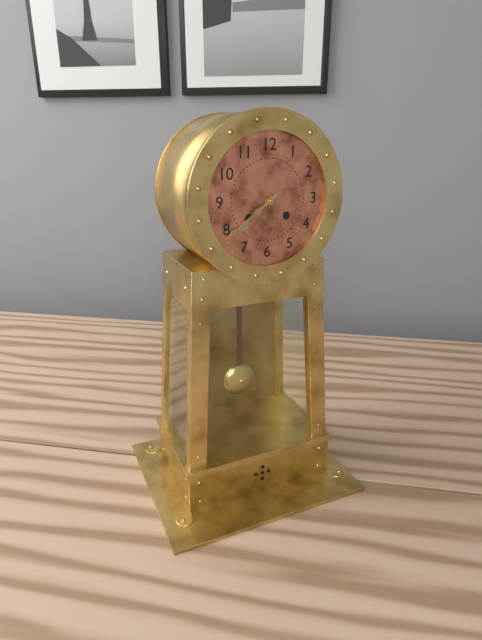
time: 7:39
